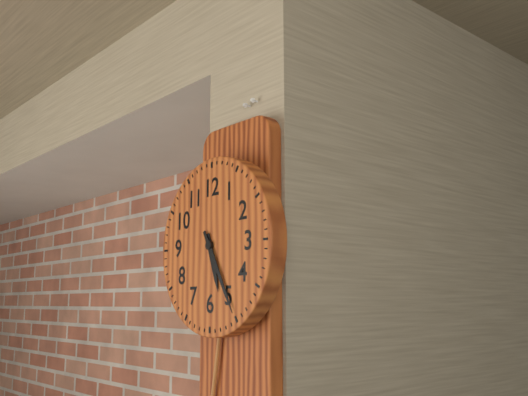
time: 5:25
